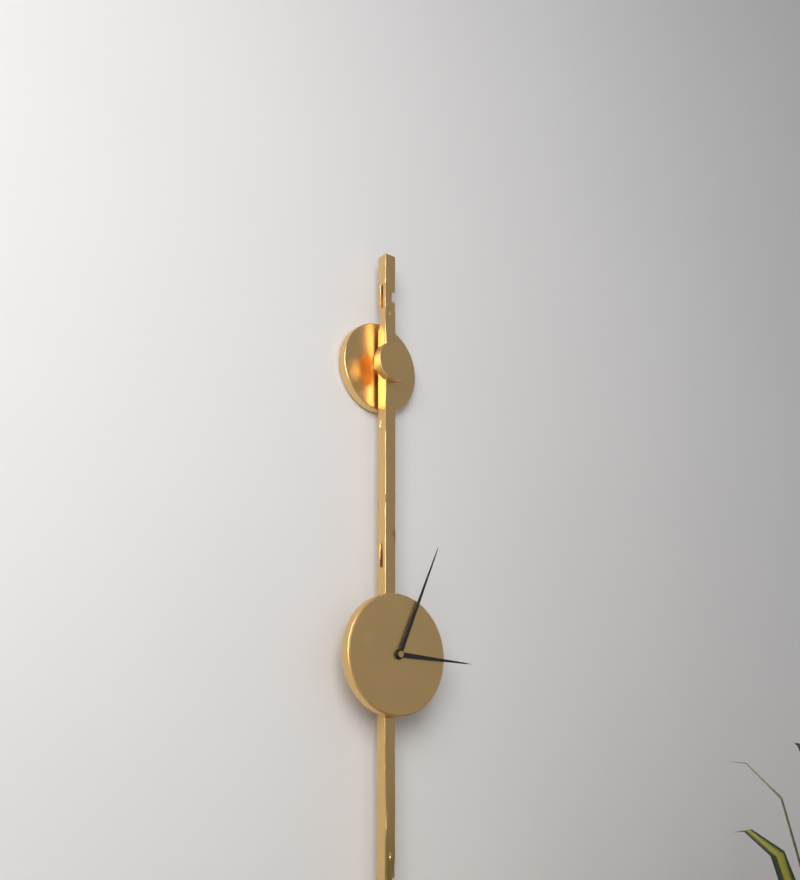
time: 3:04
